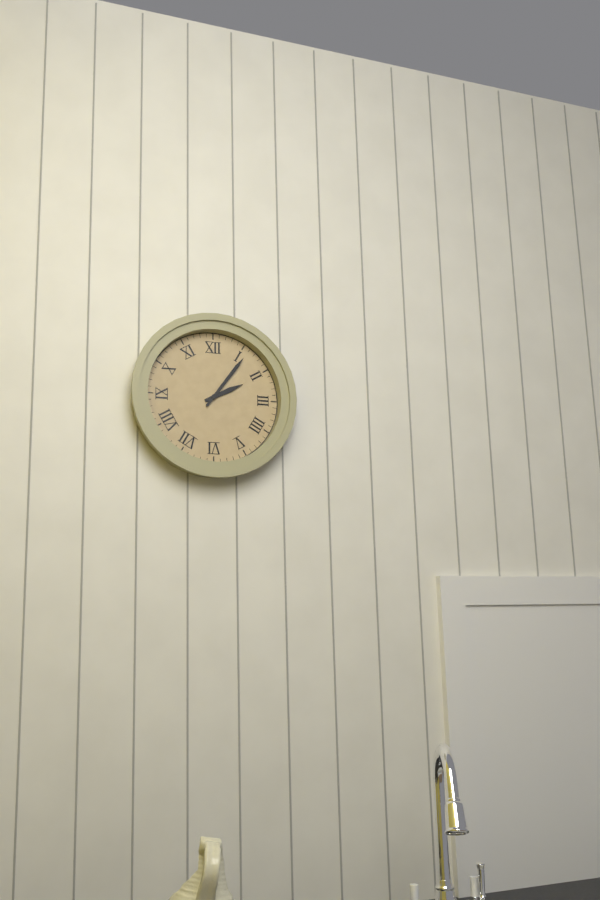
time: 2:06
